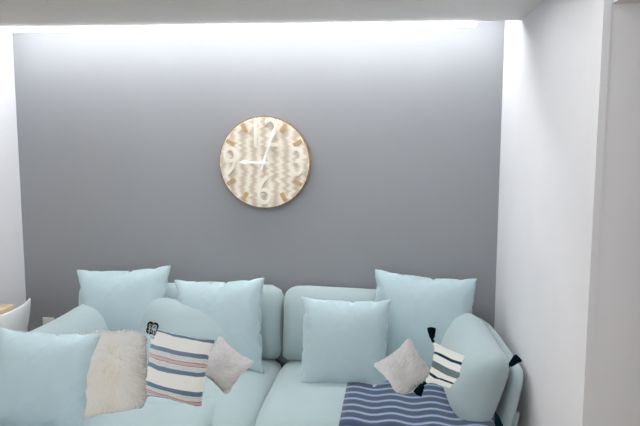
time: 9:03
